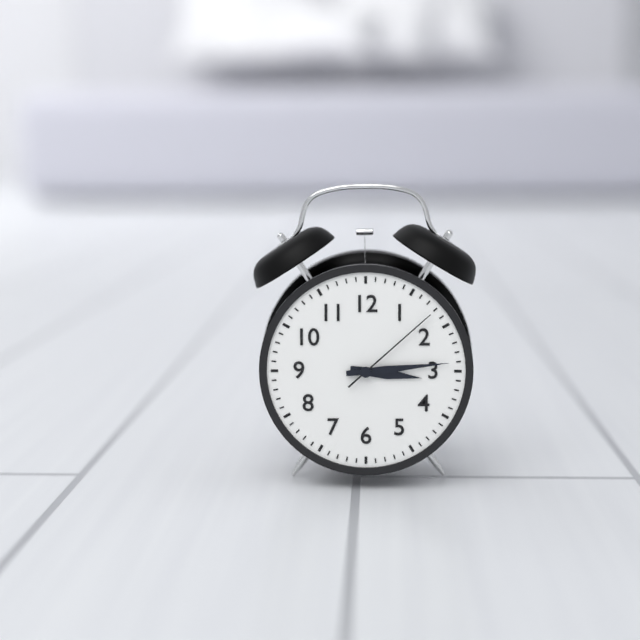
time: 3:14:08
